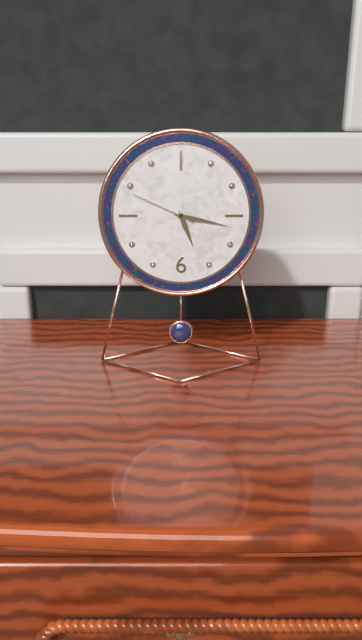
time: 5:17:49
